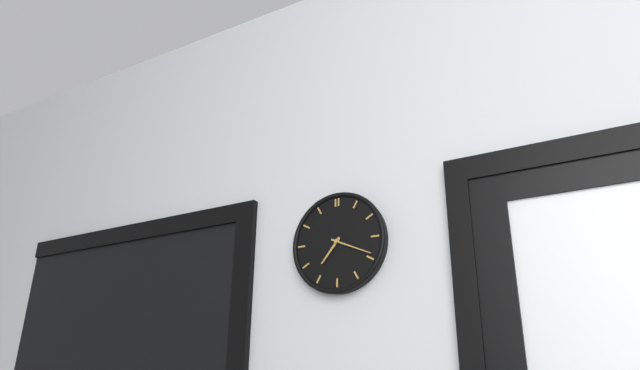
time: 7:19
